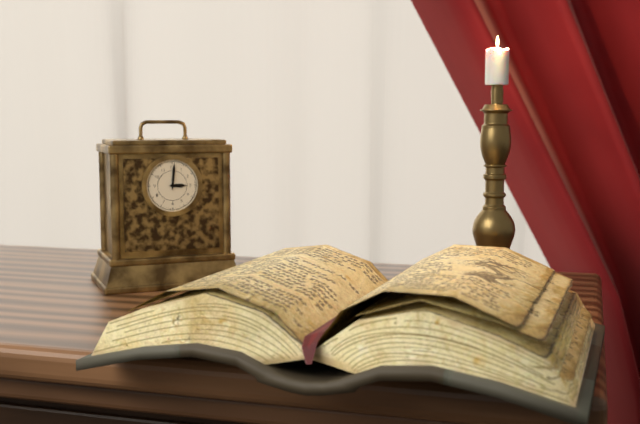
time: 3:01
